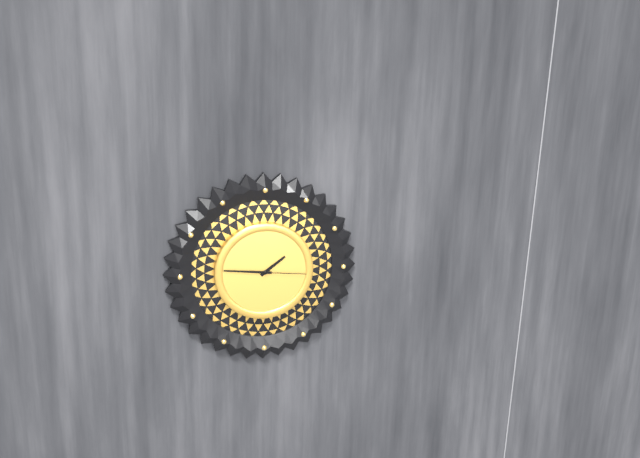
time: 1:46:16
